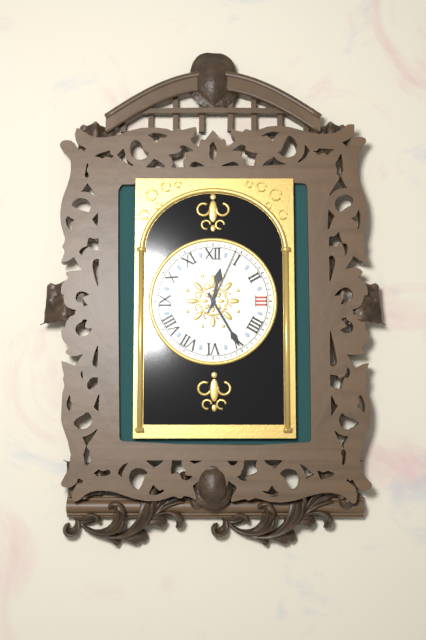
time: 12:25:04
